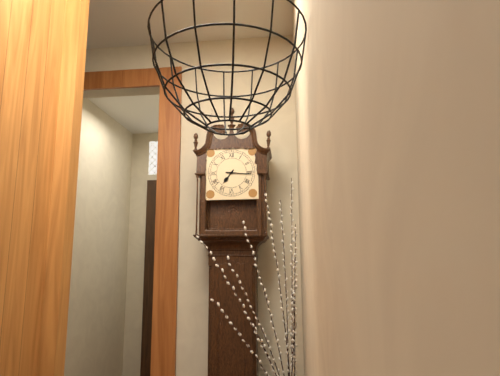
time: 7:16
